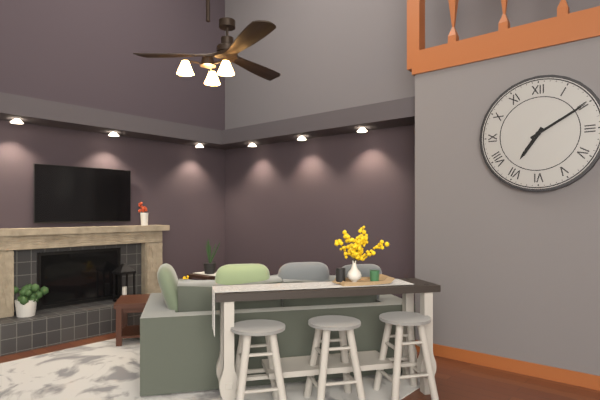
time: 7:10
